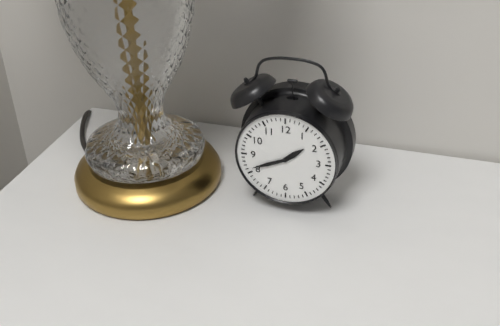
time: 1:41
